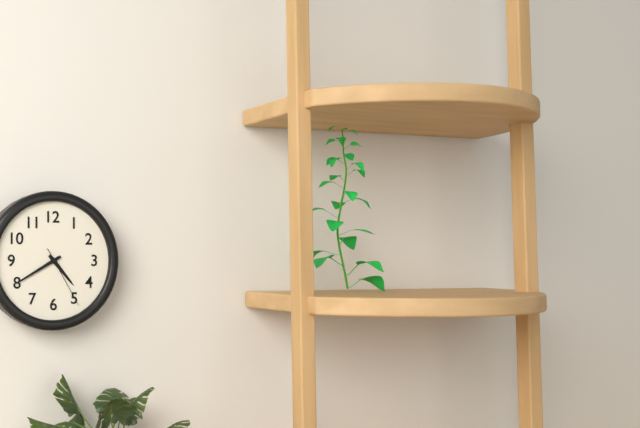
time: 4:40:25
